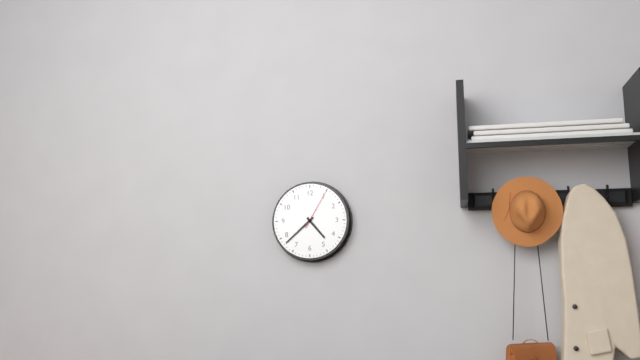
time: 4:38
